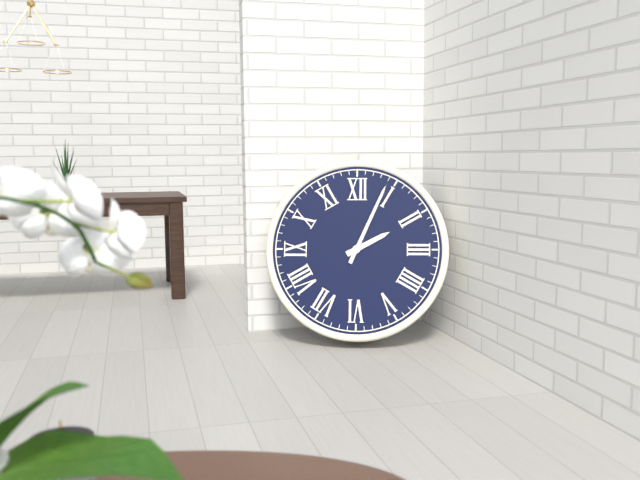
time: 2:04
